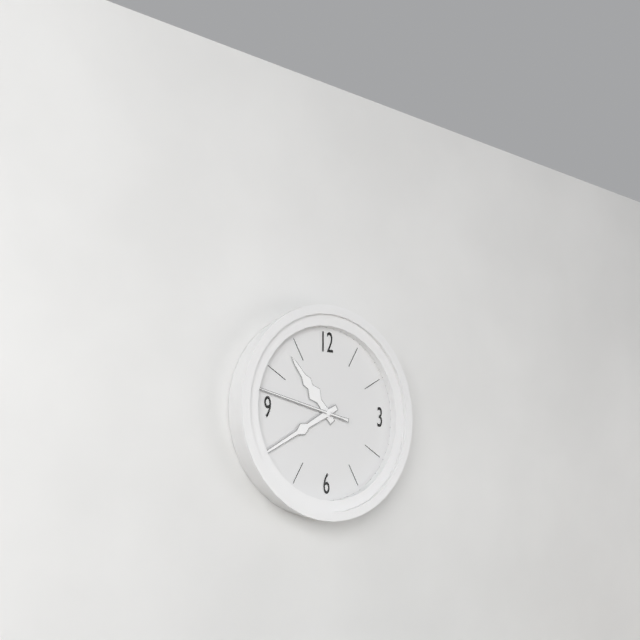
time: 10:40:47
